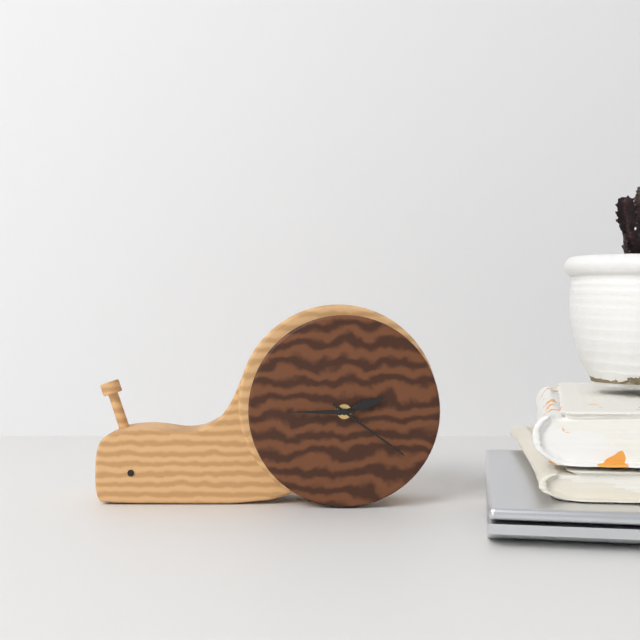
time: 2:21:45
